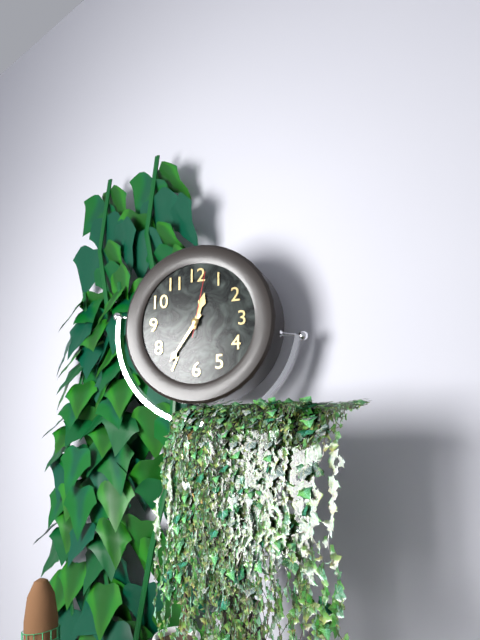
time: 12:36:02
